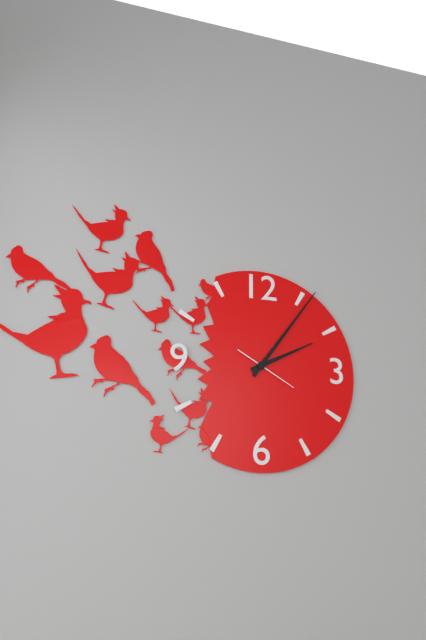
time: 2:06:20
